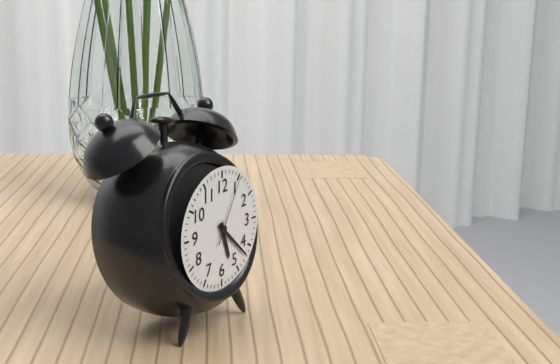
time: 5:22:05
